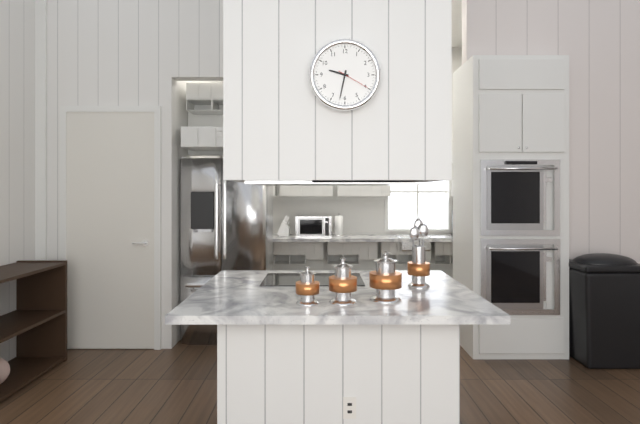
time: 9:32
